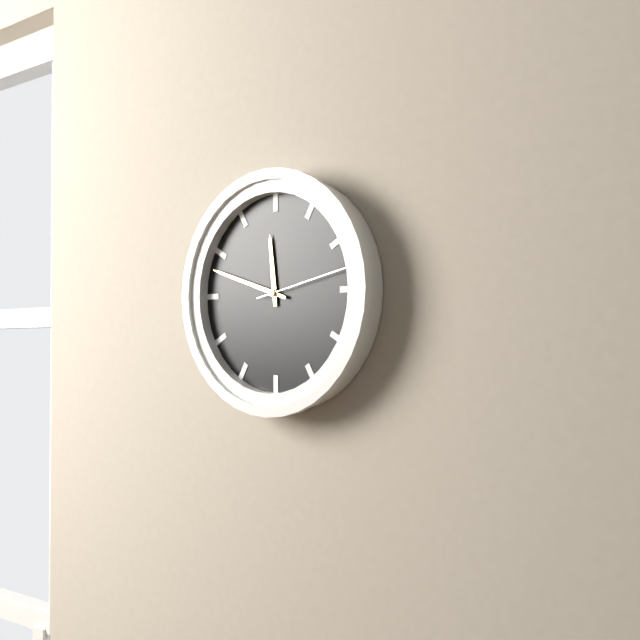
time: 11:48:13
